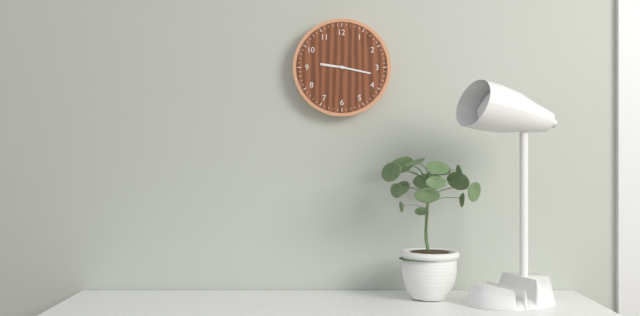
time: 9:17
